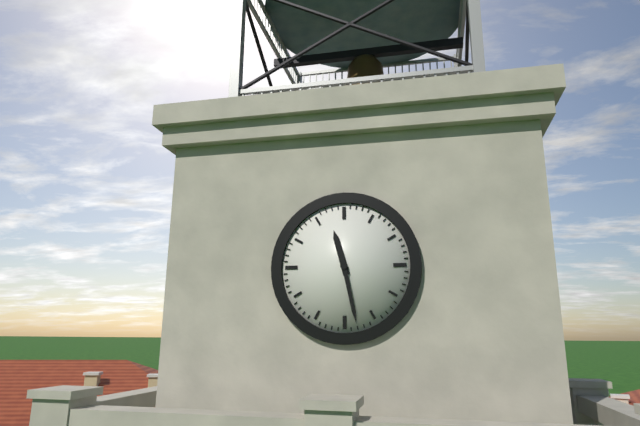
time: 11:28
